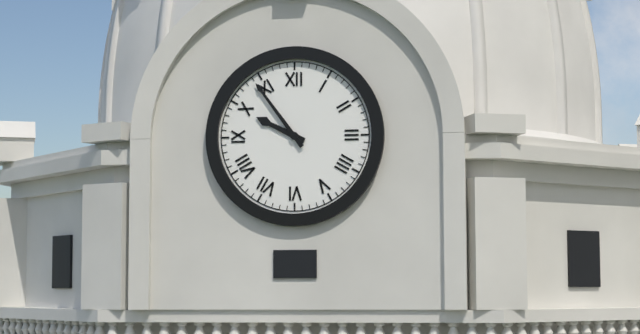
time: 9:54
